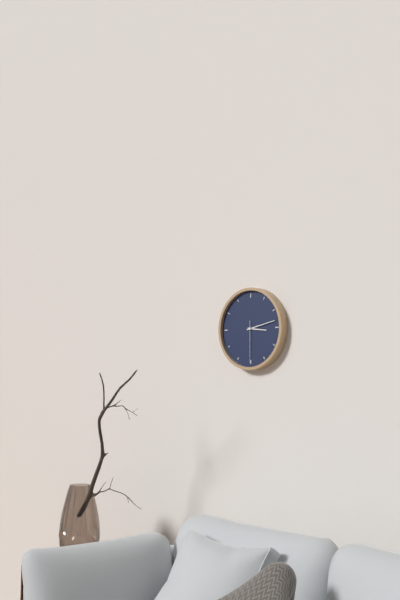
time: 3:13
